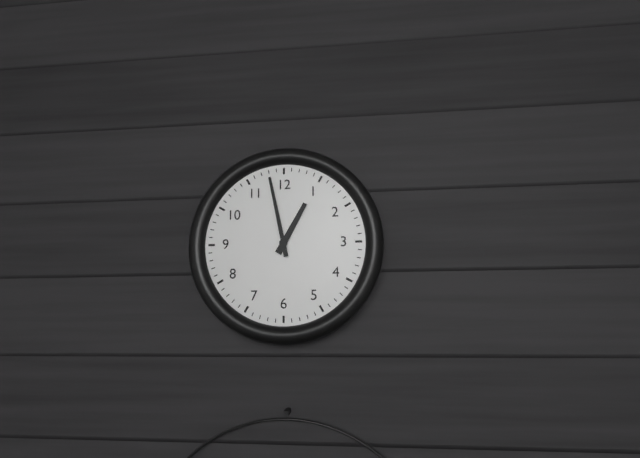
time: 12:58
